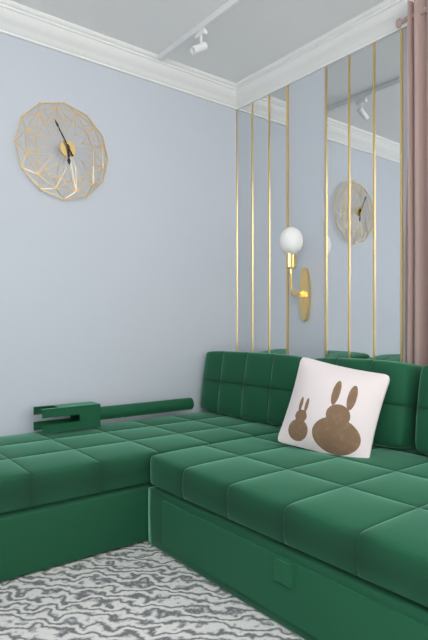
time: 5:55
